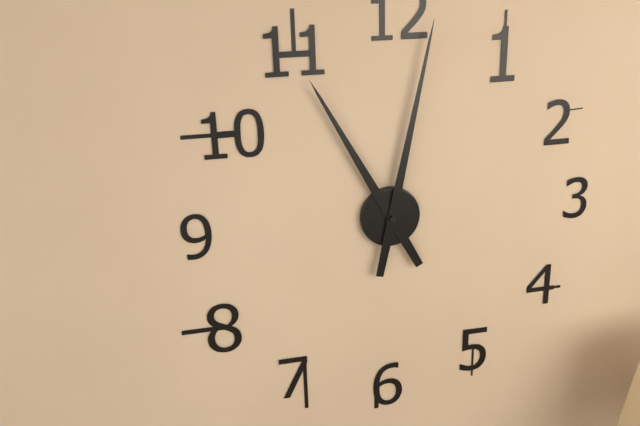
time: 11:02
